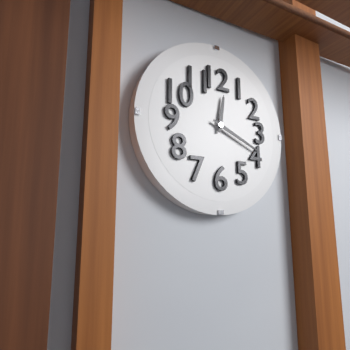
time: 12:19
